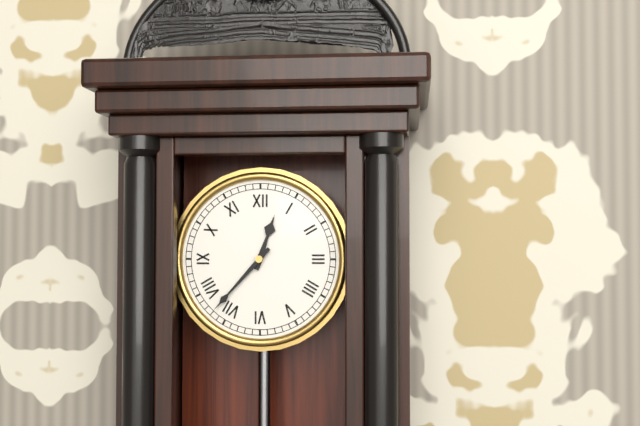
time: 12:37
